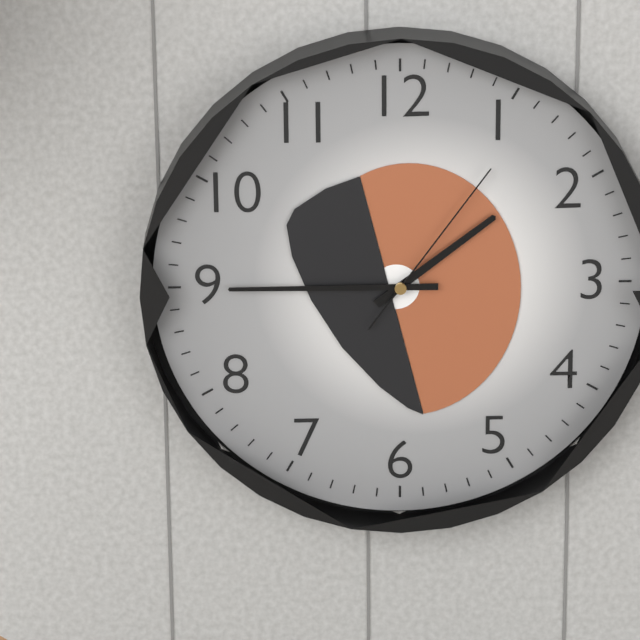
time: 1:45:06
